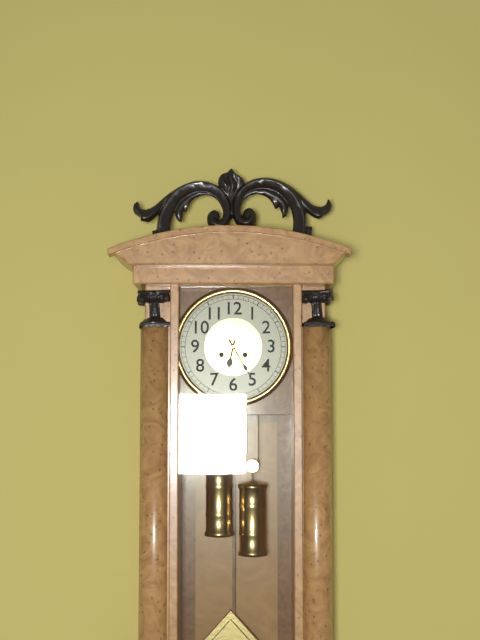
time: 6:25
